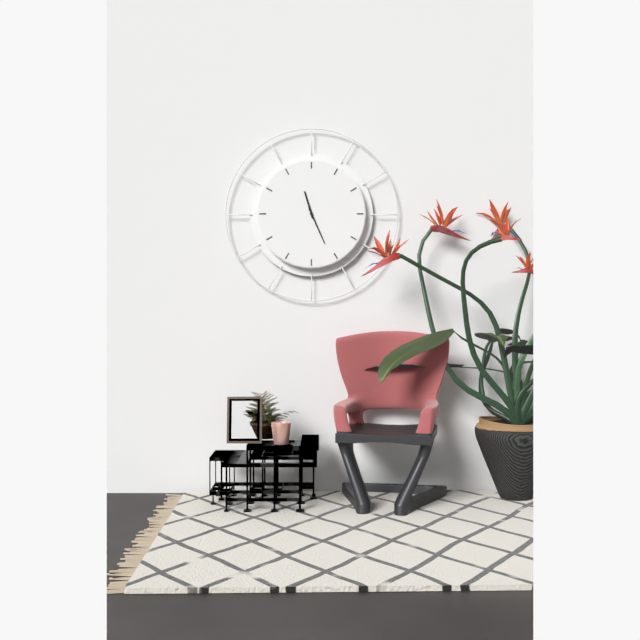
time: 11:26
